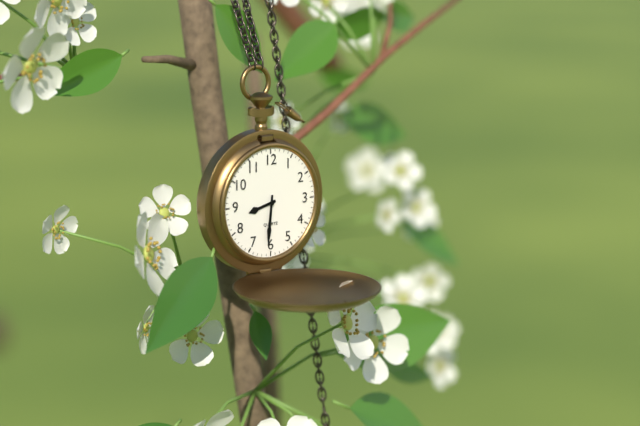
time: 8:31
